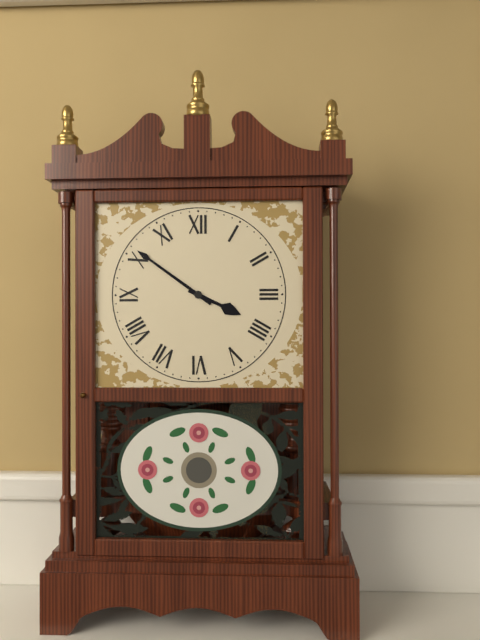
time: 3:51
